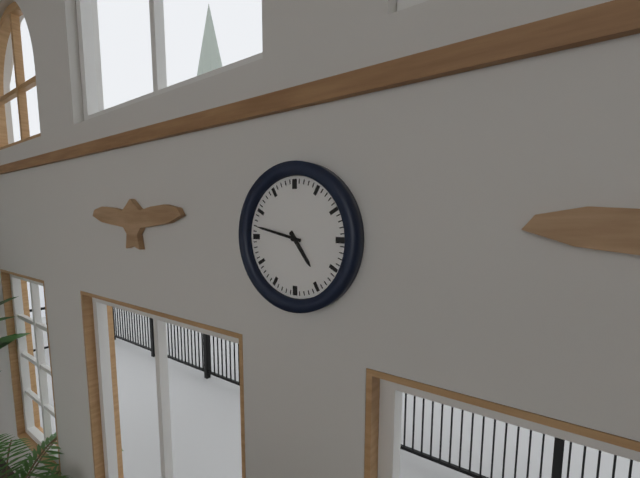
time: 4:47
